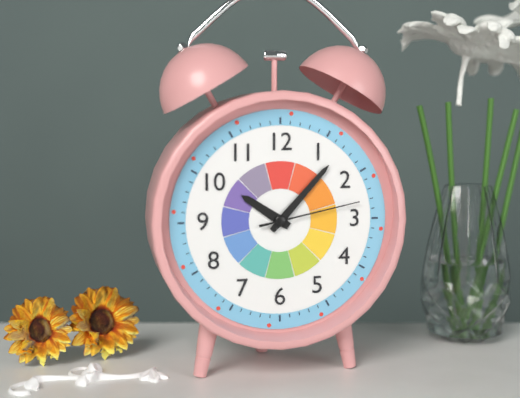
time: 10:07:13
